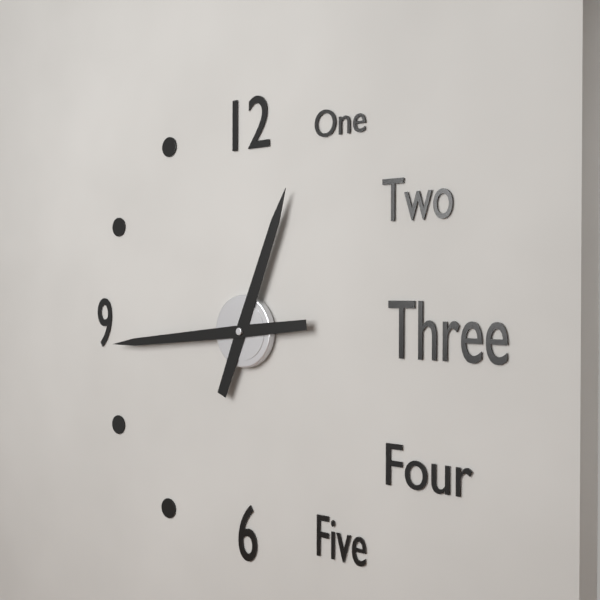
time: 12:44
